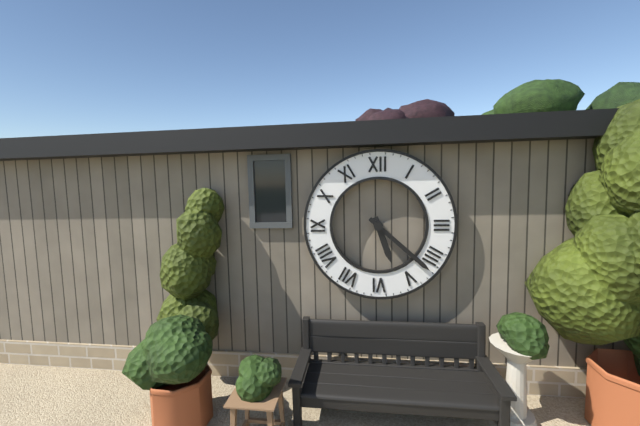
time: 5:22
